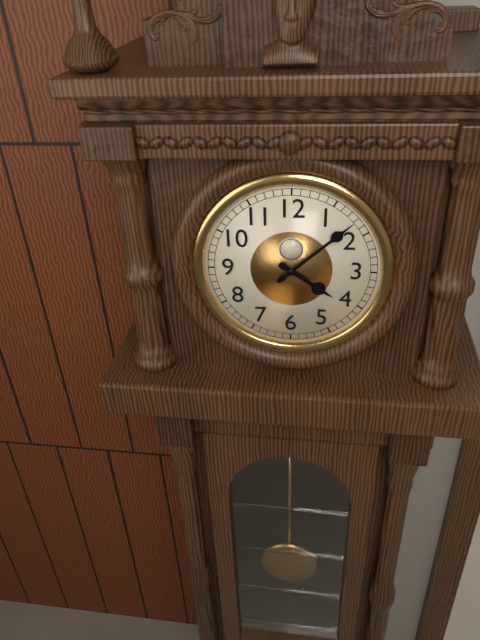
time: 4:08
